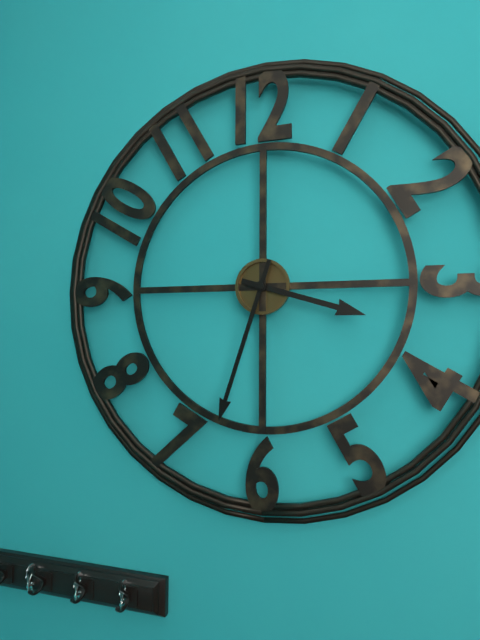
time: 3:33
